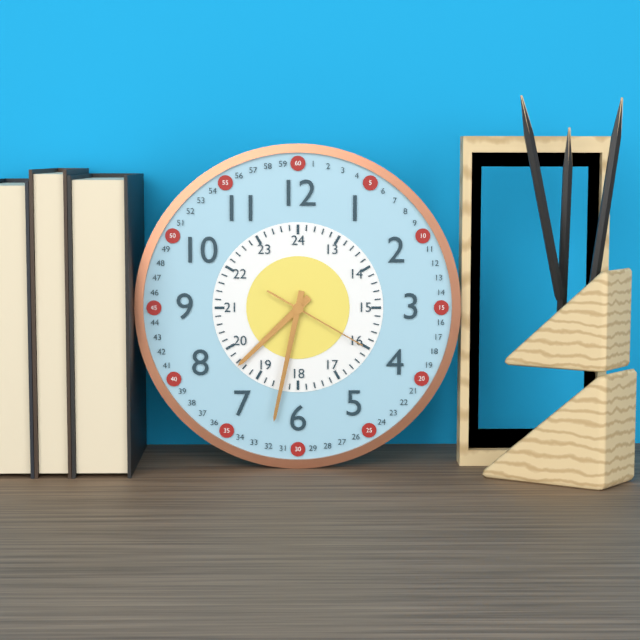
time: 7:32:20
